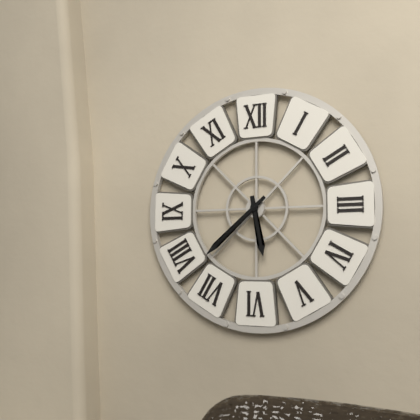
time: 5:38
